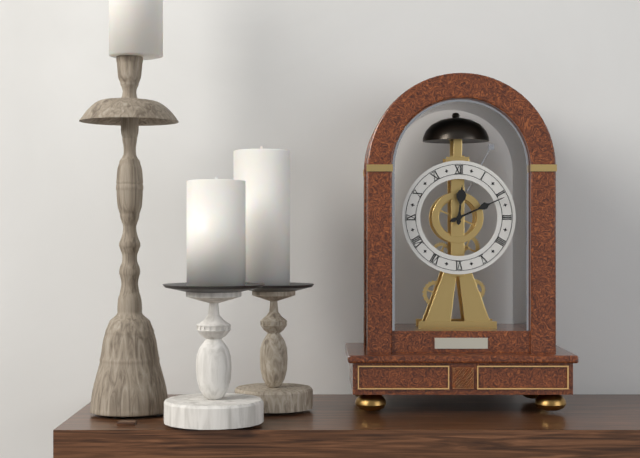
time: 12:11
